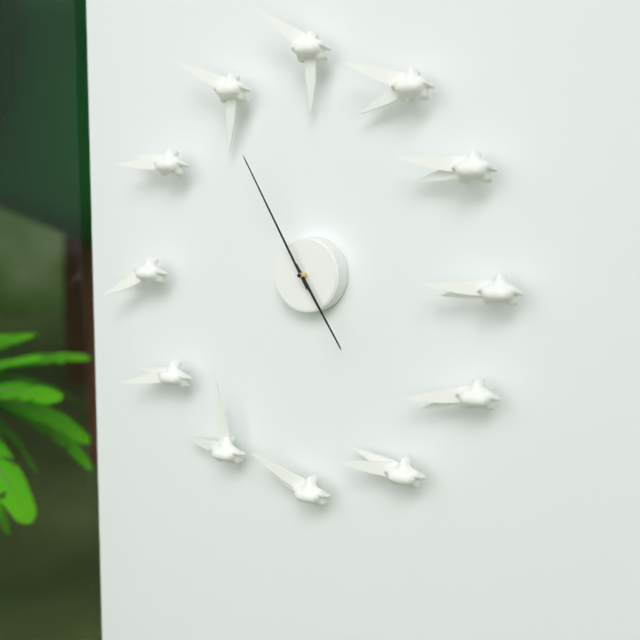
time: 4:55
